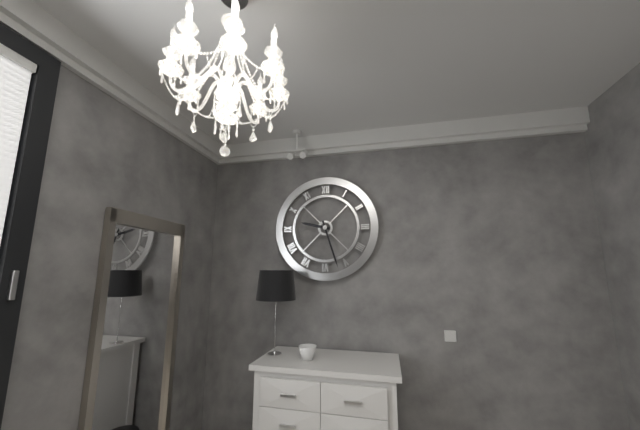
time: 9:27
